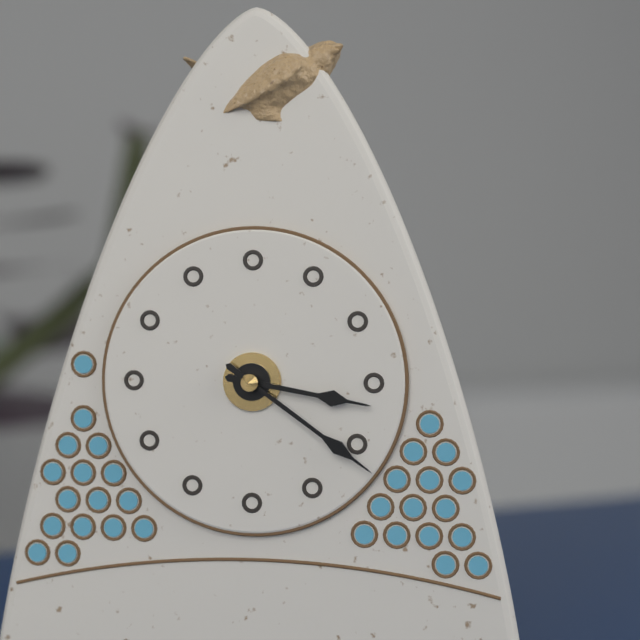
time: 3:21
